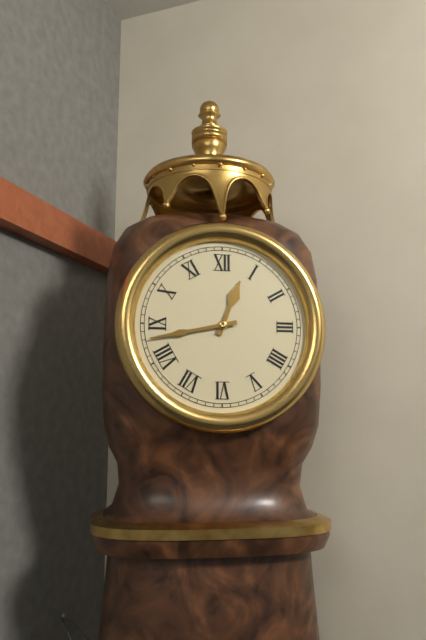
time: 12:43
